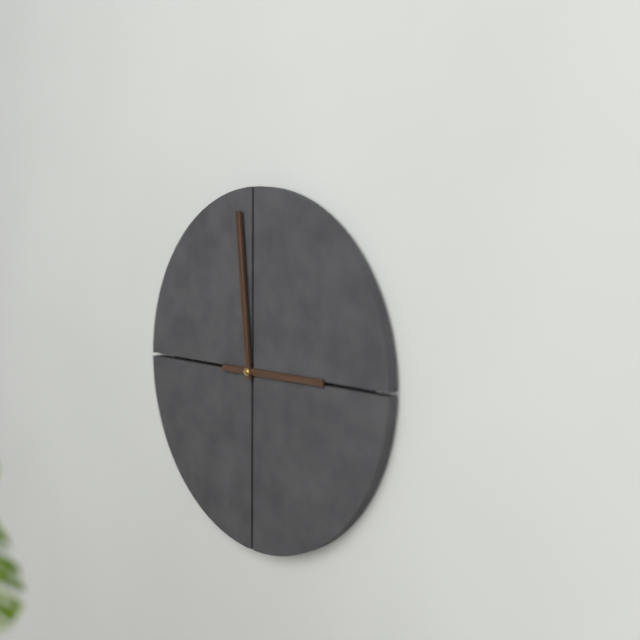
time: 2:59
